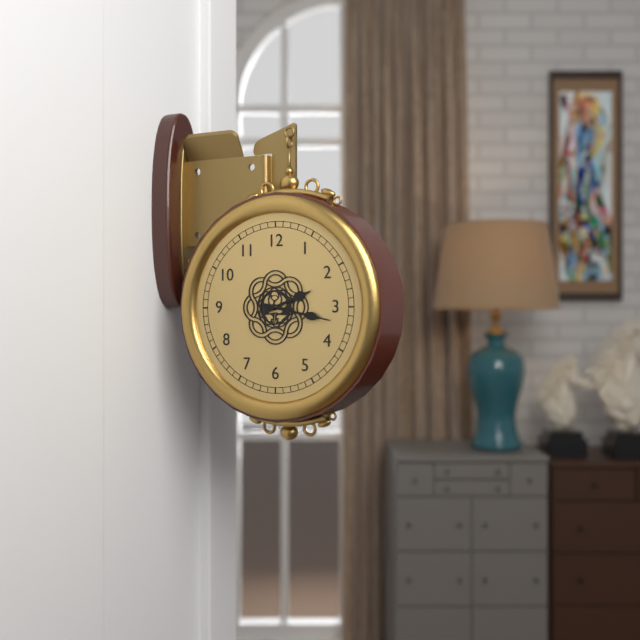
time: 2:17
